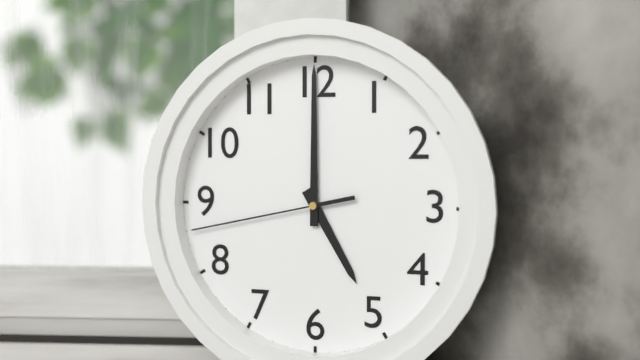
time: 5:00:43
